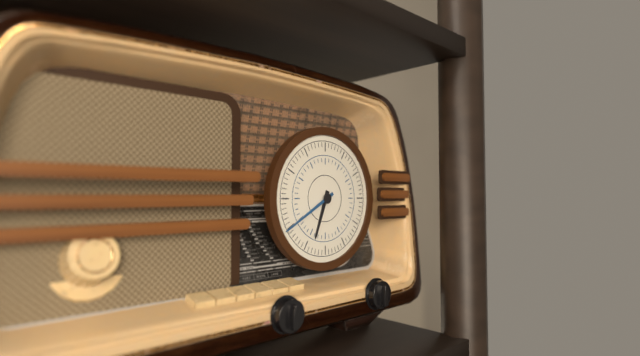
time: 6:40
